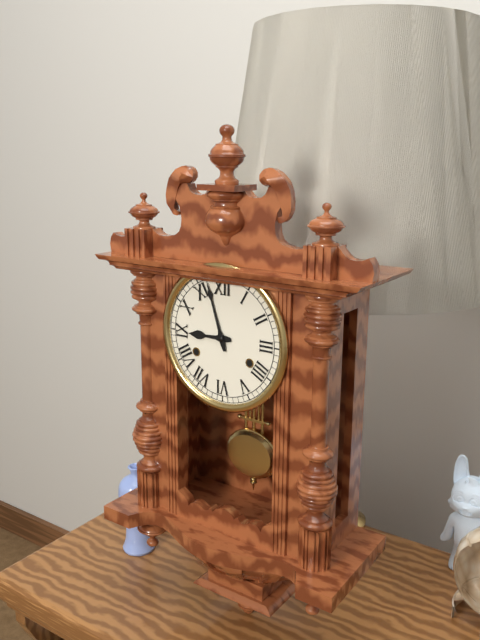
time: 8:57
